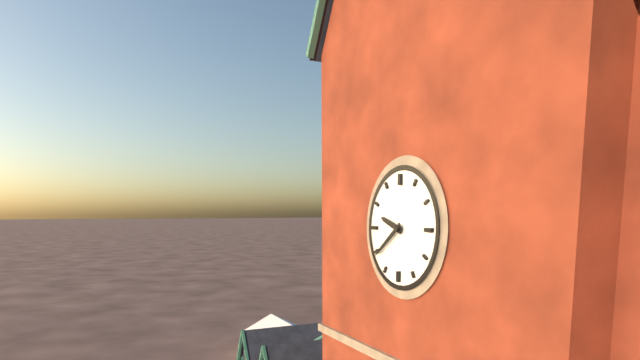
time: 9:39
